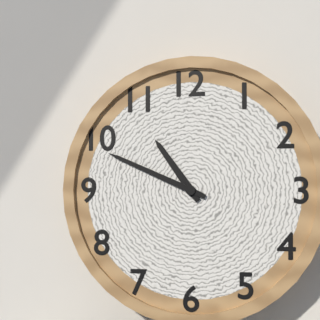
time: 10:49
